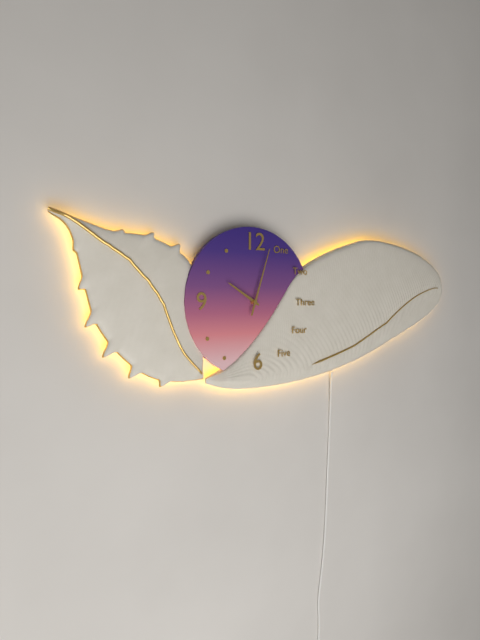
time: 10:03
